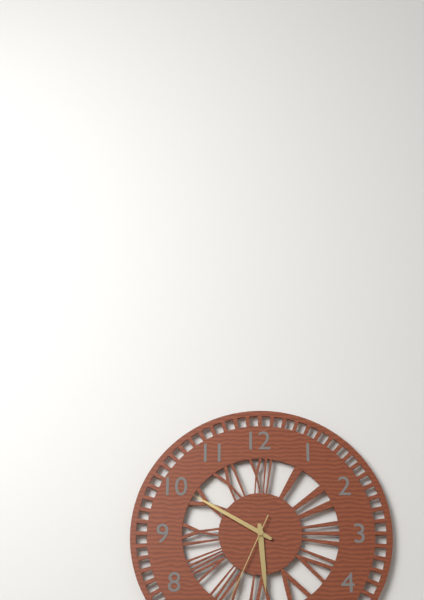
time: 5:50
